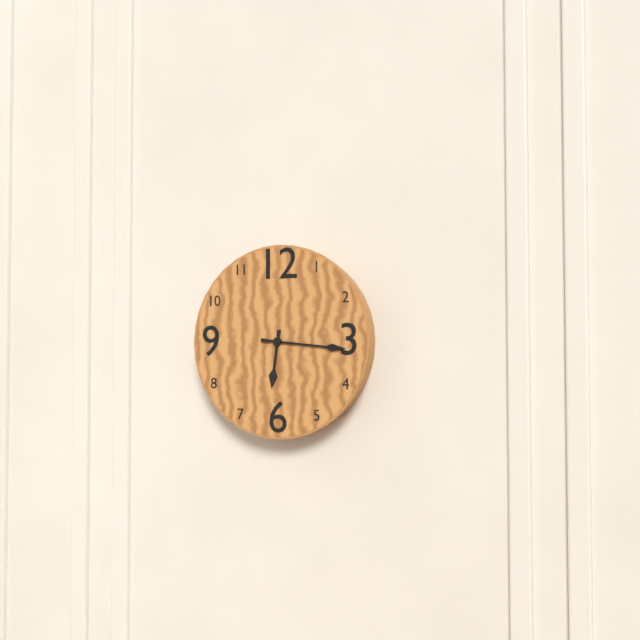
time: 6:16
